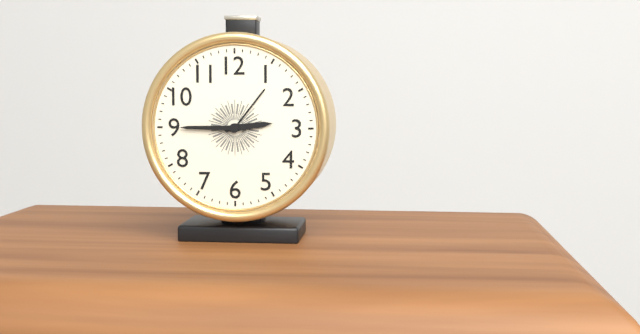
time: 2:45
